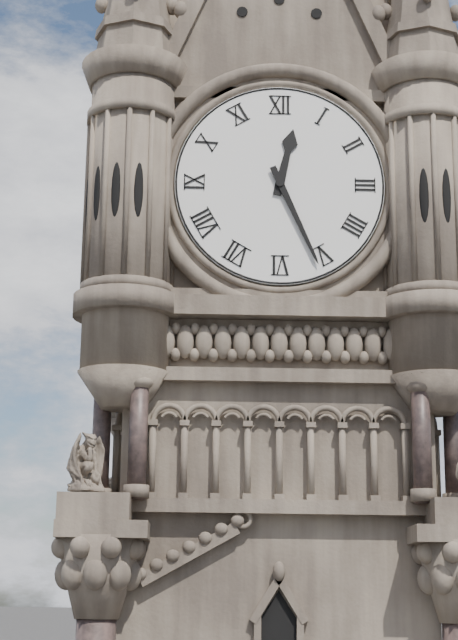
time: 12:26
